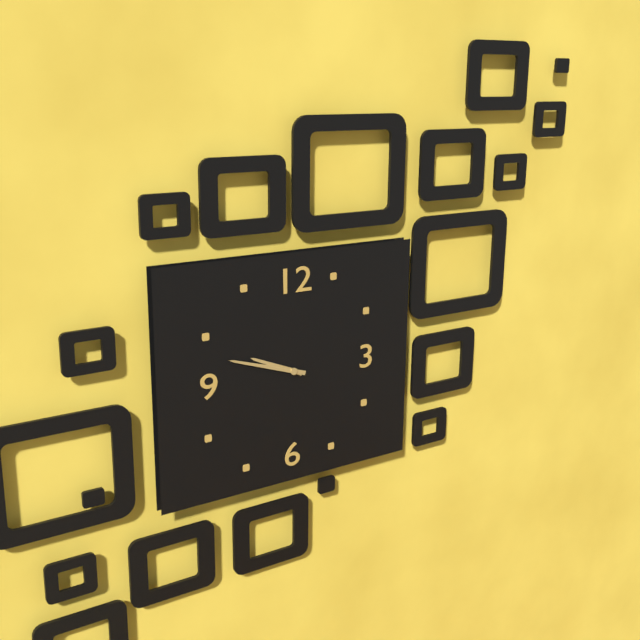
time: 9:48
